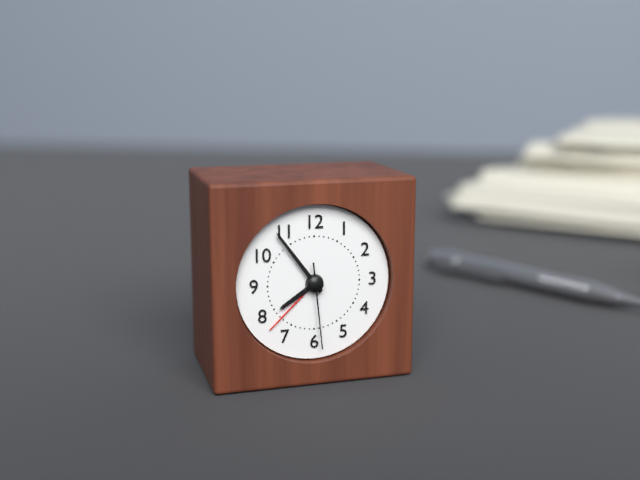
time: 7:54:29
